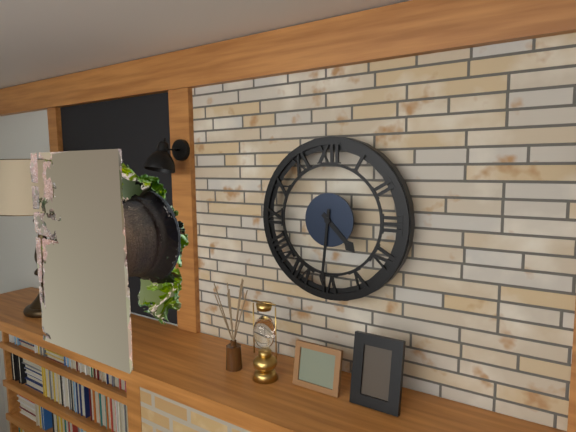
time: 4:31
